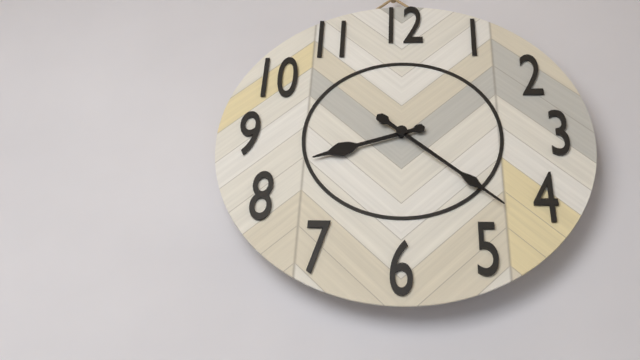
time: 8:22
